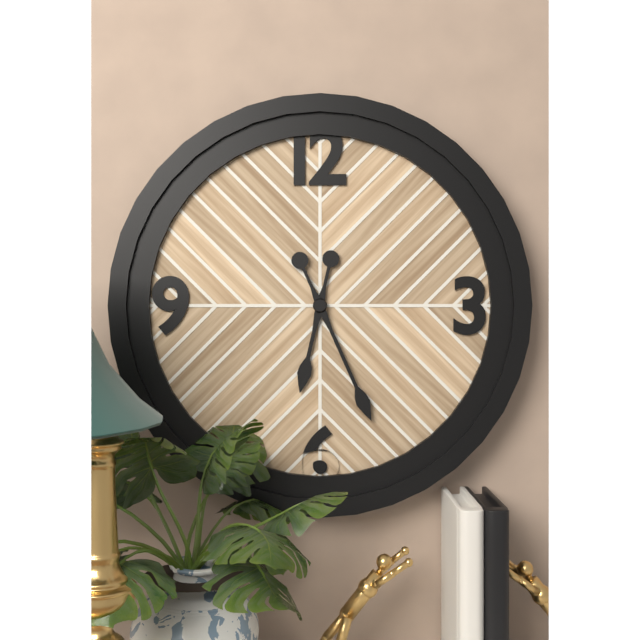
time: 6:26
